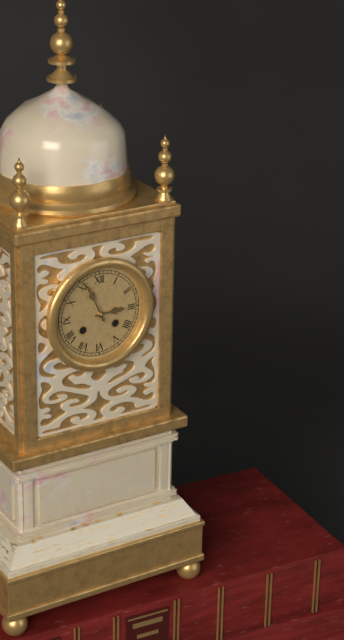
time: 2:56
